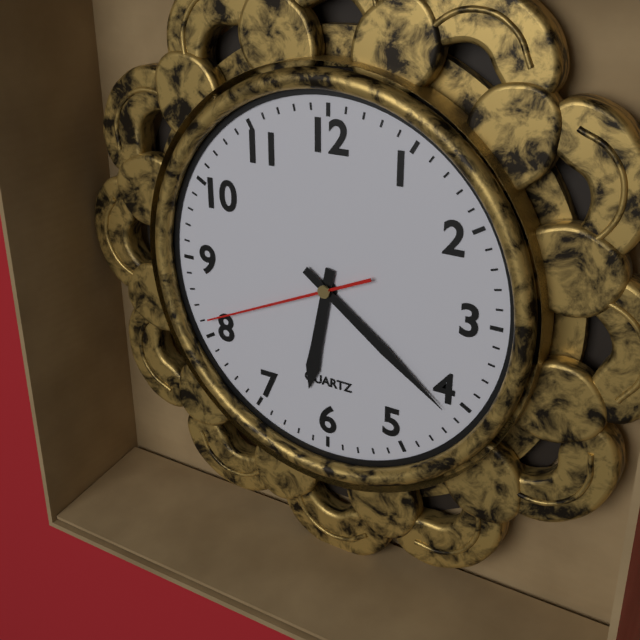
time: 6:21:41
